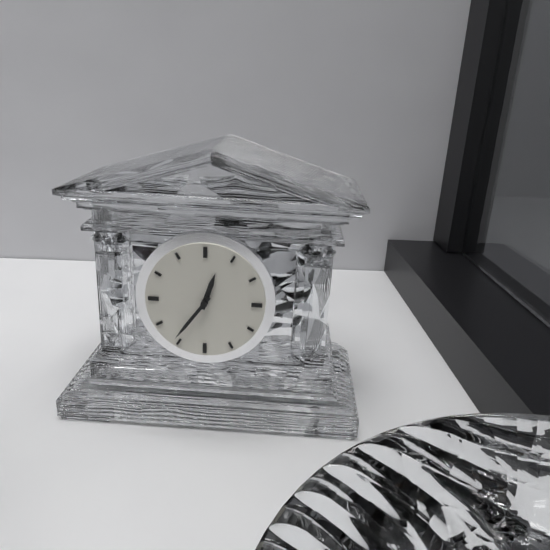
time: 12:36
